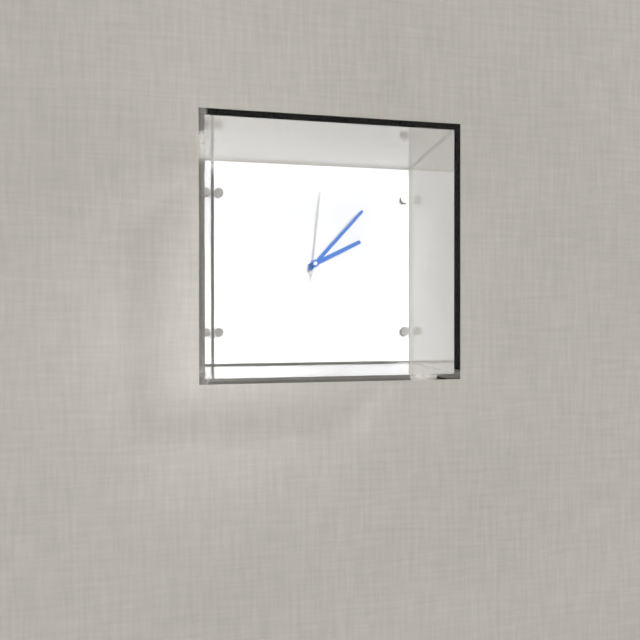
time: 2:07:01
